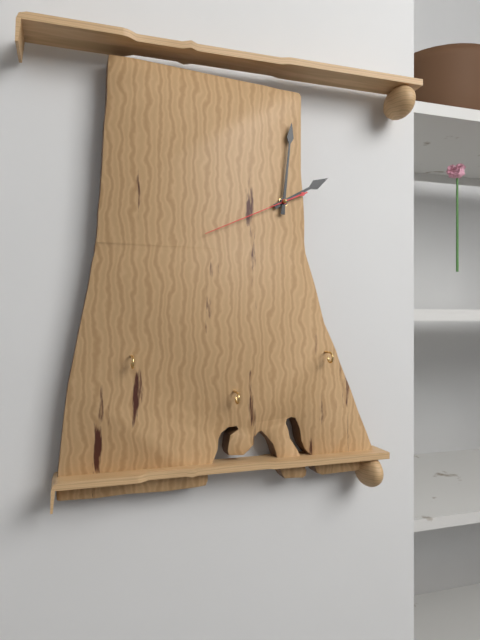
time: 2:01:41
